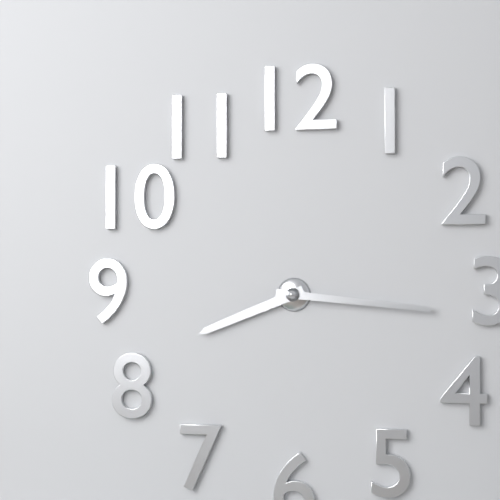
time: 8:16
